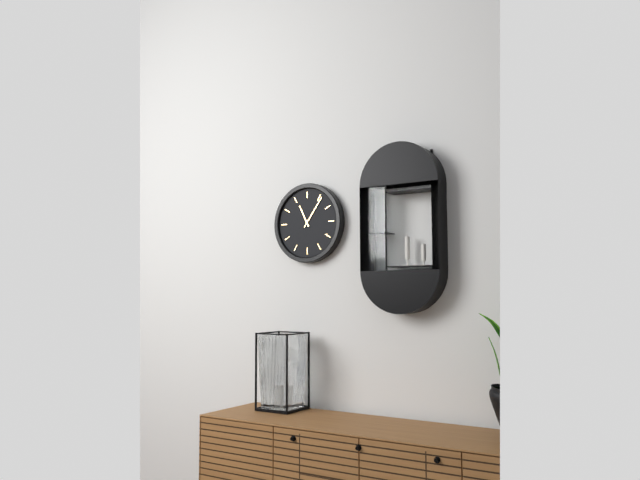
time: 11:06
